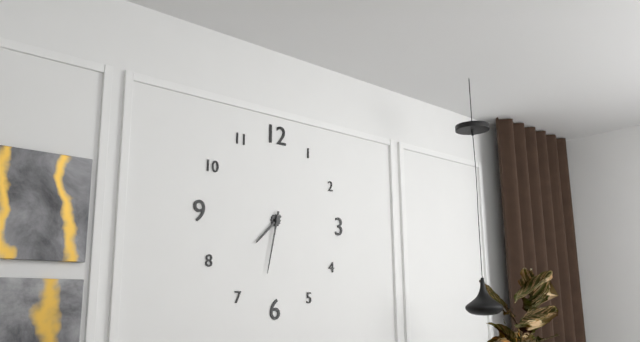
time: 7:32
